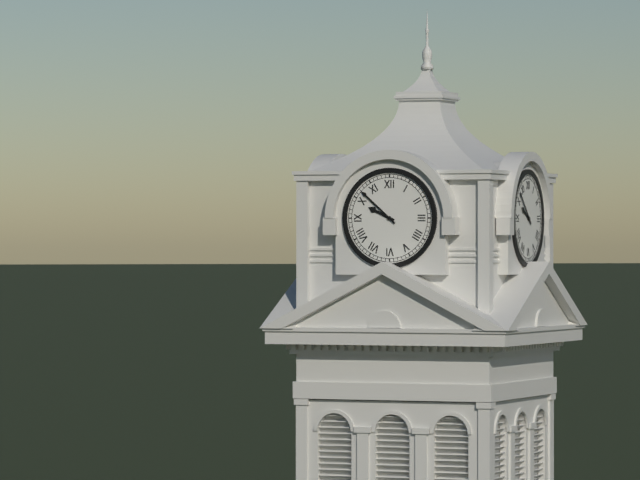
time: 9:52
